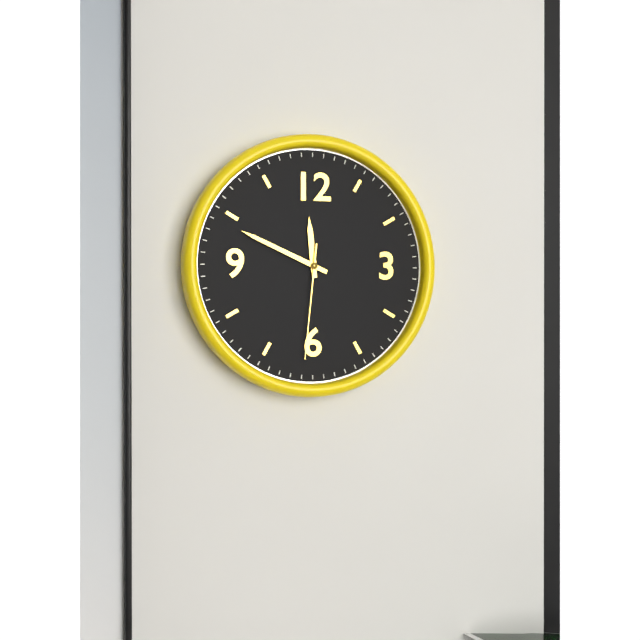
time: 11:49:31
